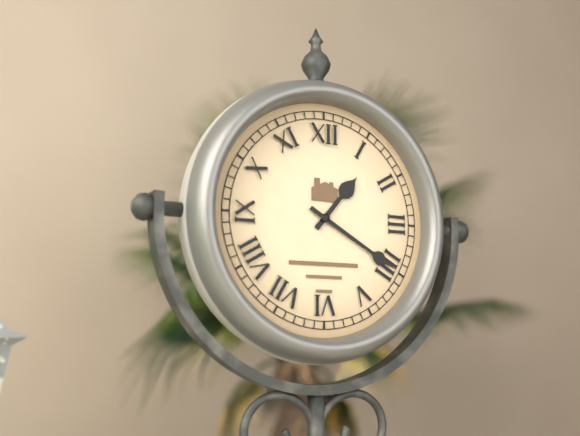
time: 1:20
